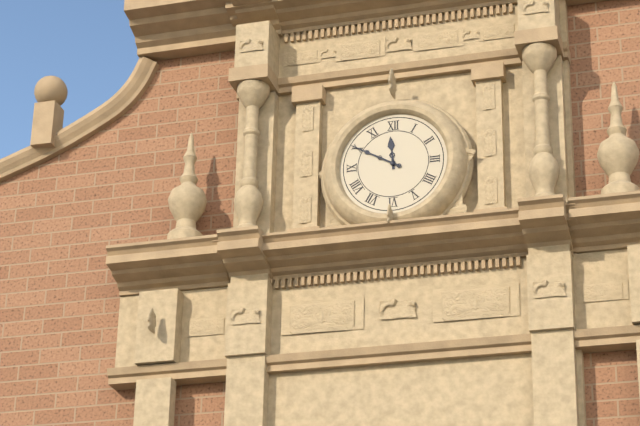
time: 11:50
